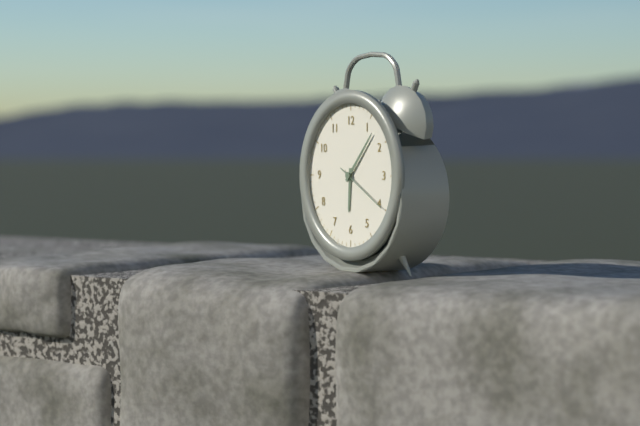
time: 6:07:20
